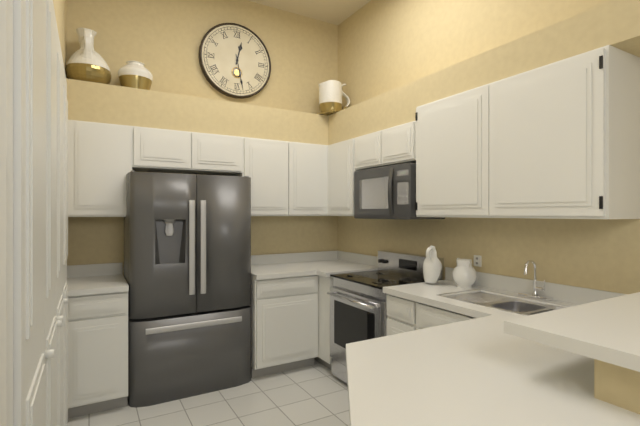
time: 12:28
